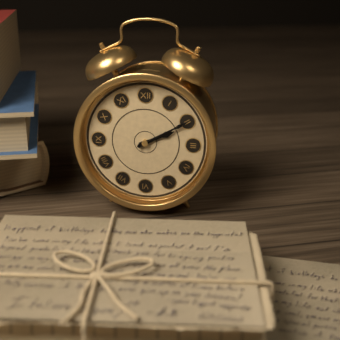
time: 2:10
